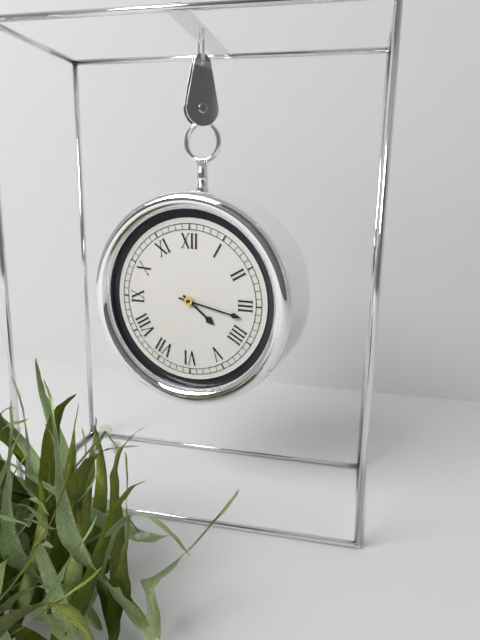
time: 4:17
